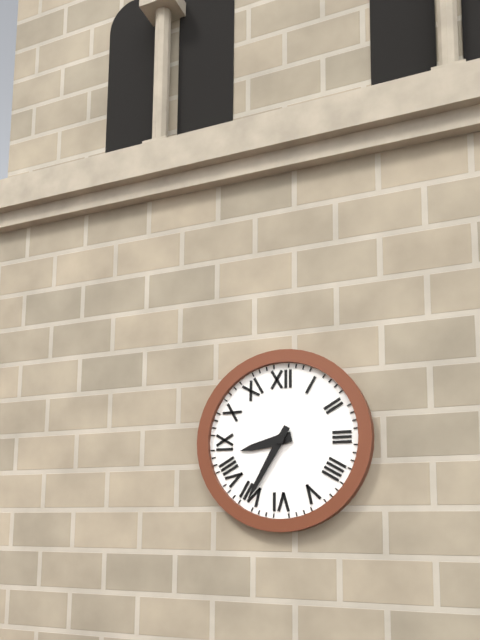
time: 8:35
